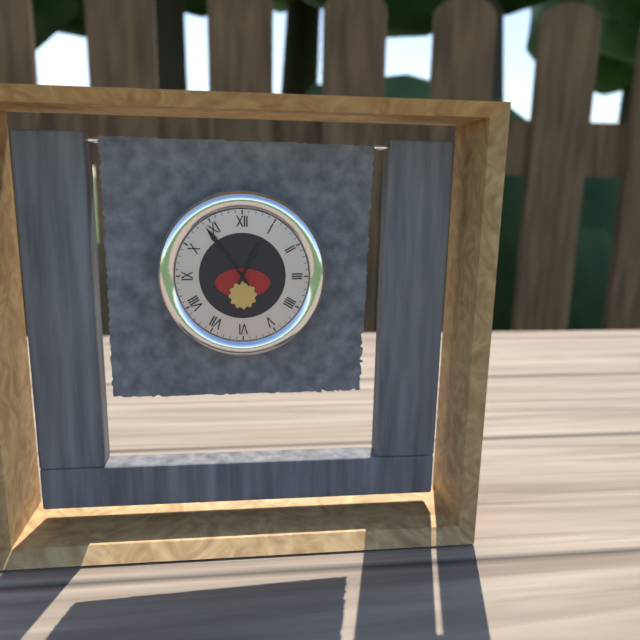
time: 12:54
